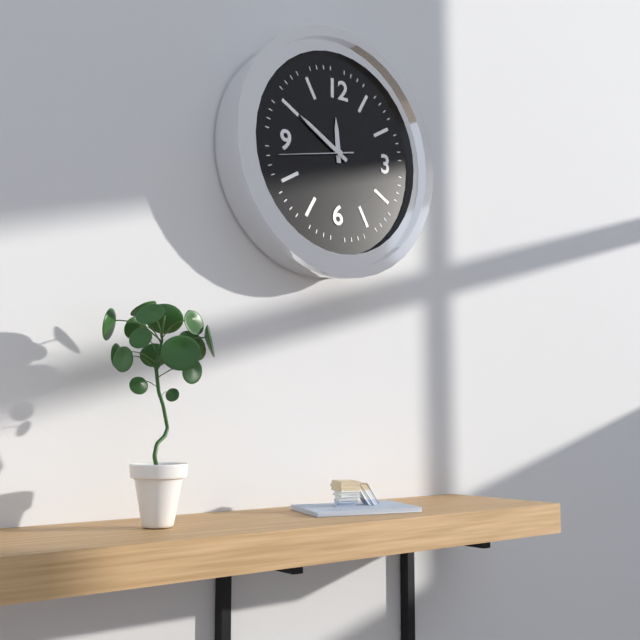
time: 11:50:43
